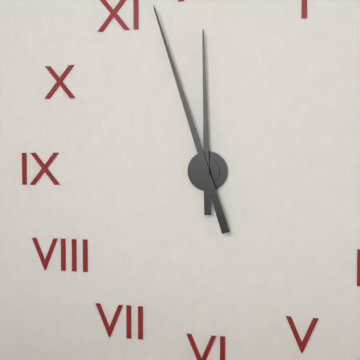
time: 11:57
